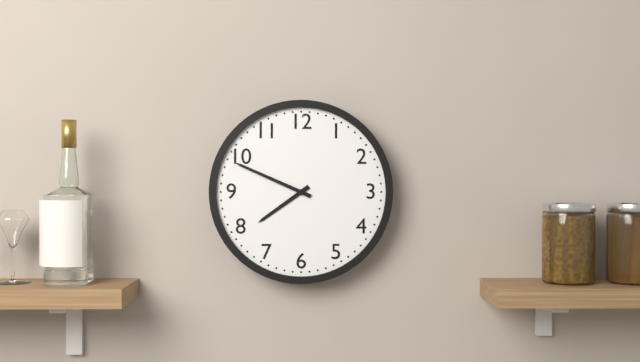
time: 7:49
